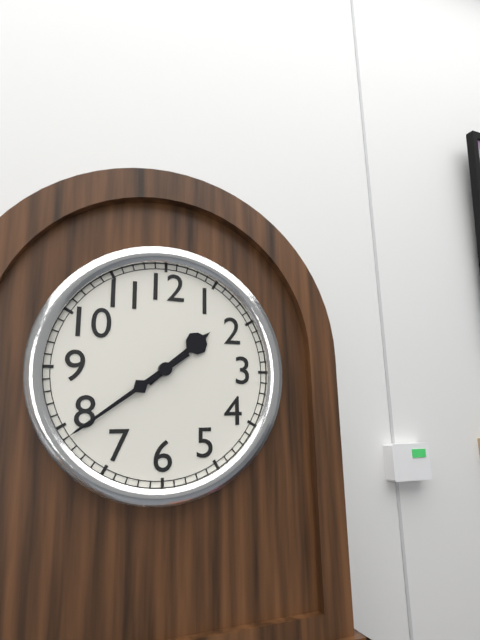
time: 1:39
